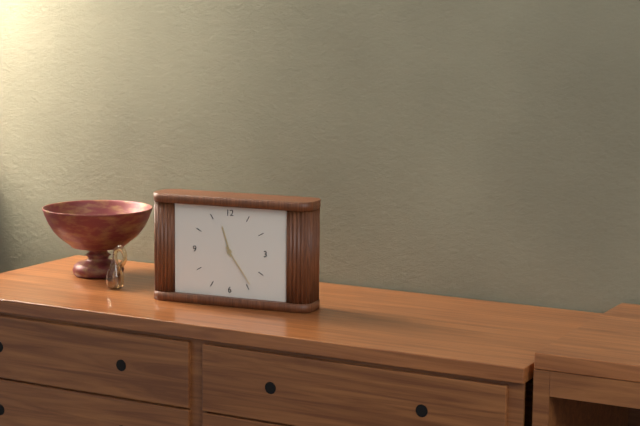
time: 11:24
